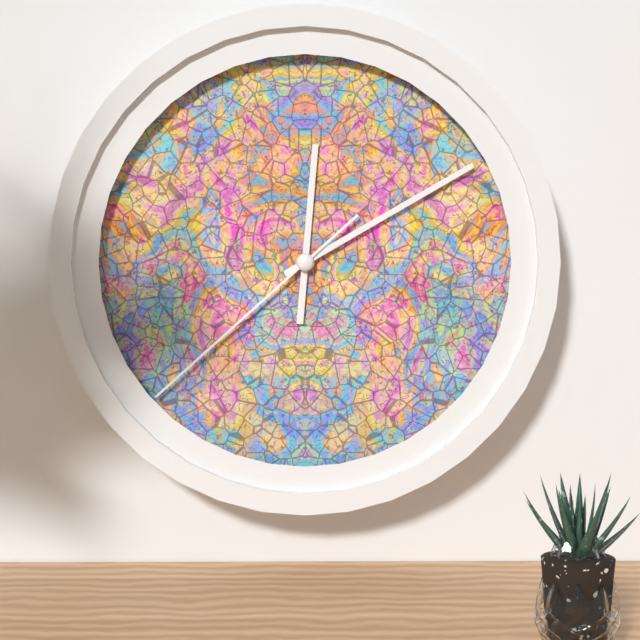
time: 12:10:38
